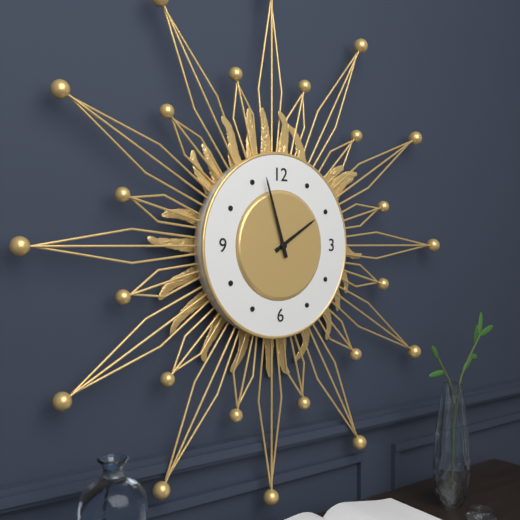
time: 1:57
